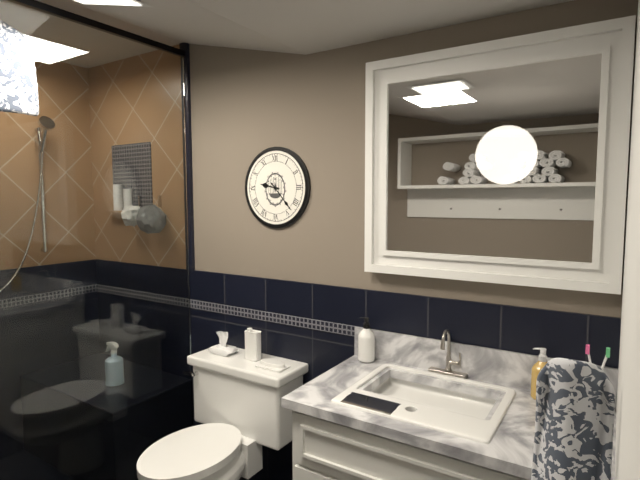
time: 9:23
